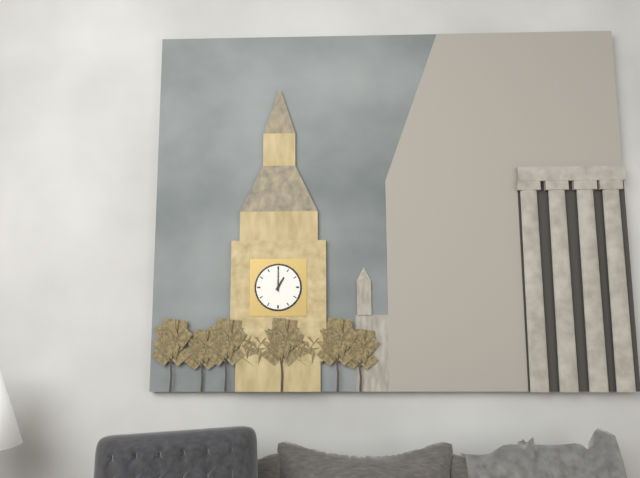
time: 1:00
